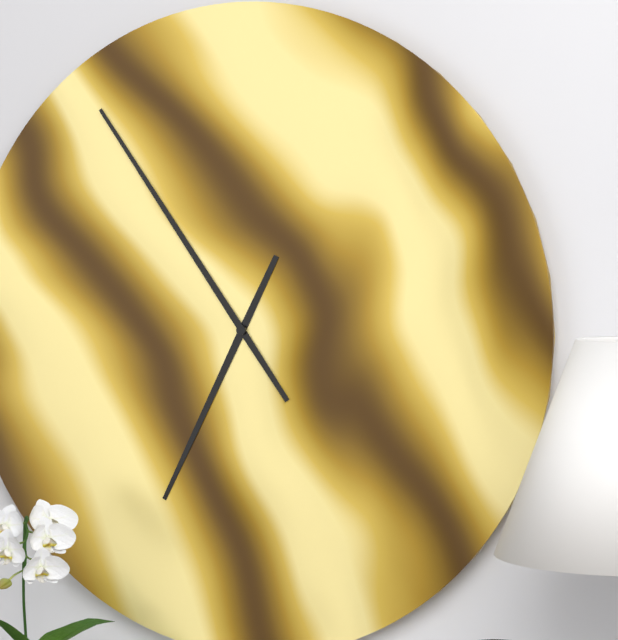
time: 6:54
